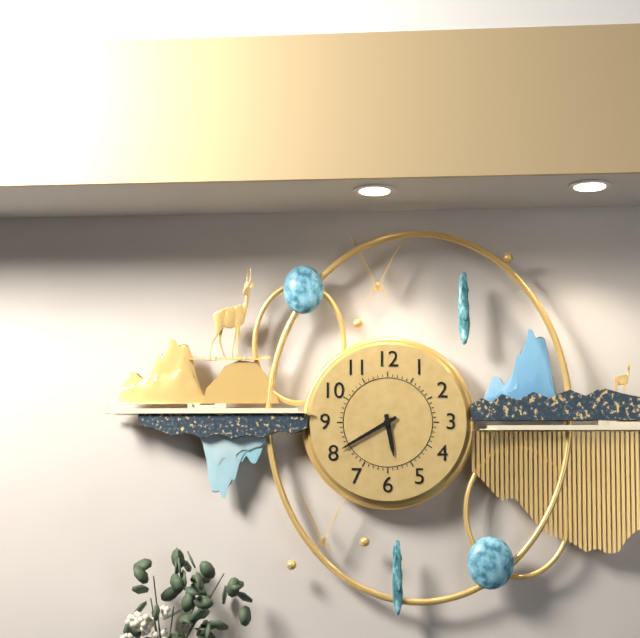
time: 5:40
